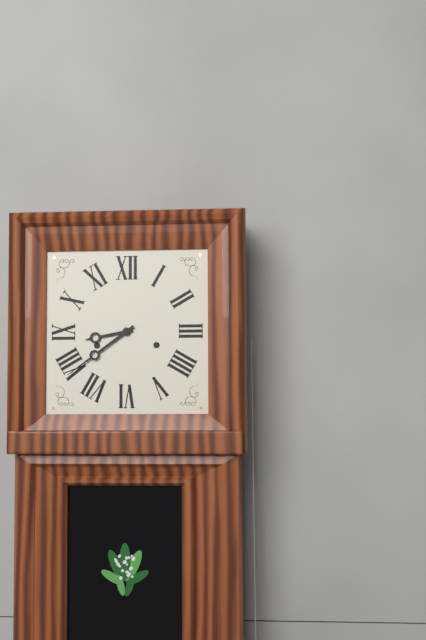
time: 8:39
